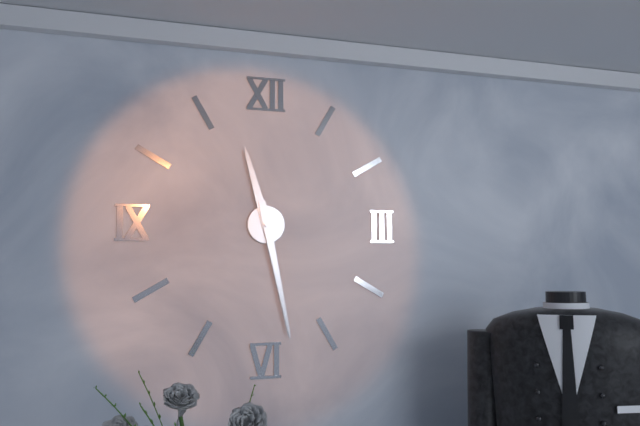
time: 11:28
